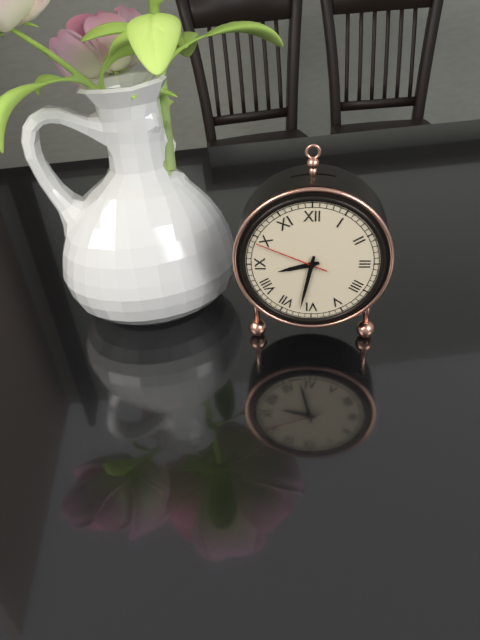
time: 8:32:49
